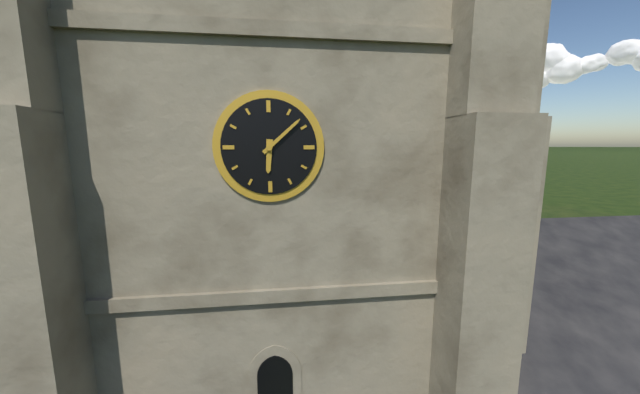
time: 6:08
